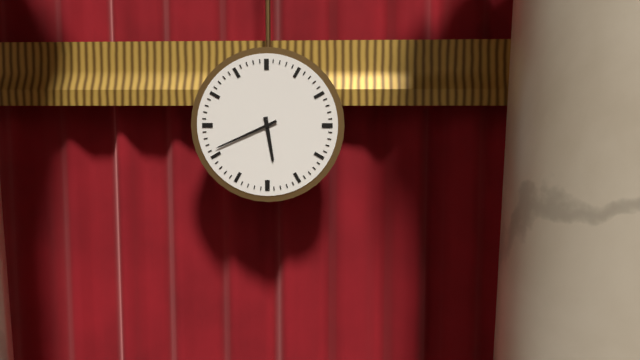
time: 5:41
